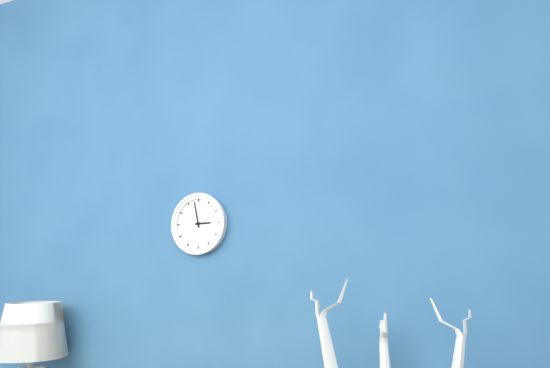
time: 2:58
